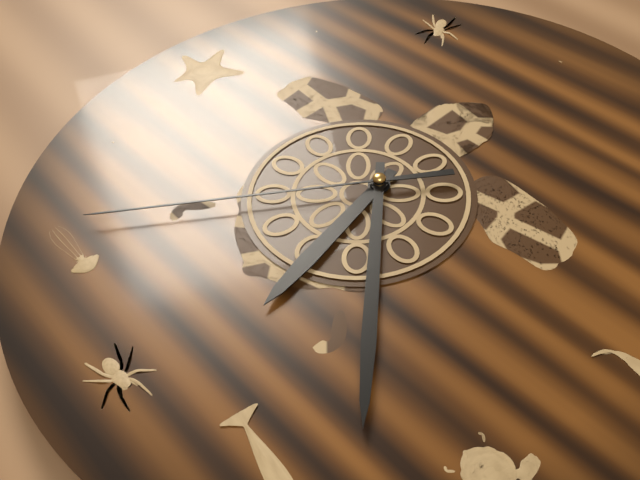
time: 8:38:51
